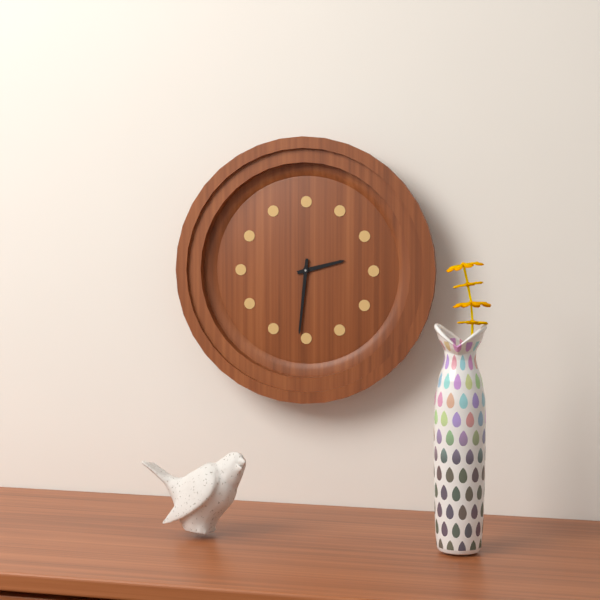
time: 2:31
